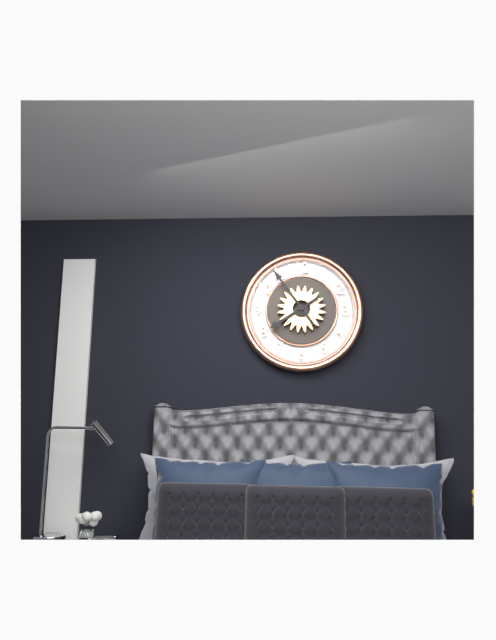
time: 7:54
